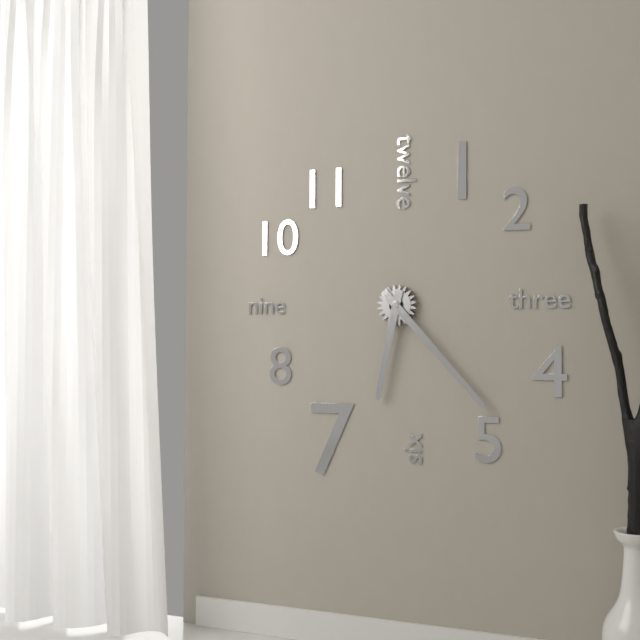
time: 6:23
